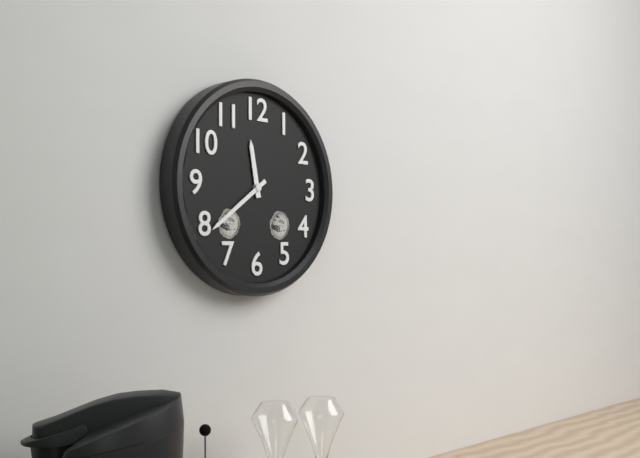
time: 11:39
